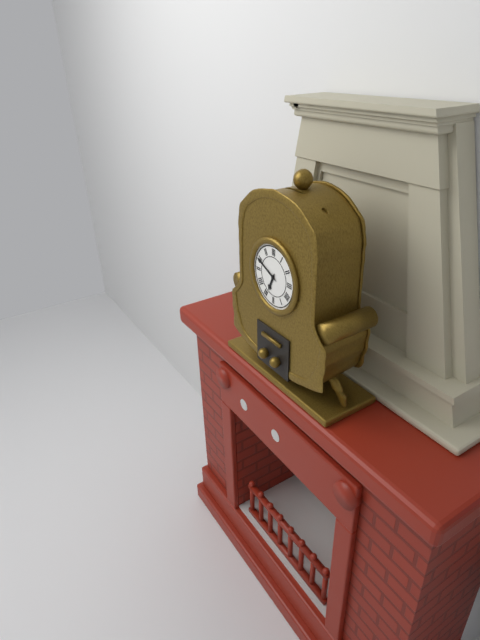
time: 6:49
